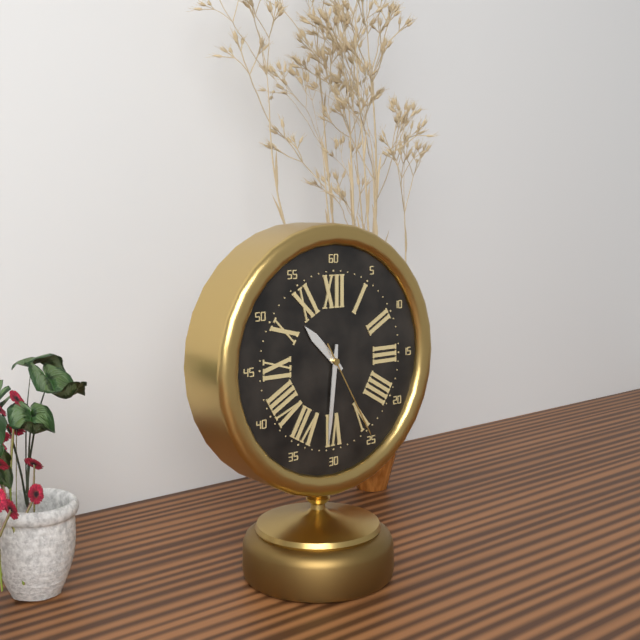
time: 10:31:25
